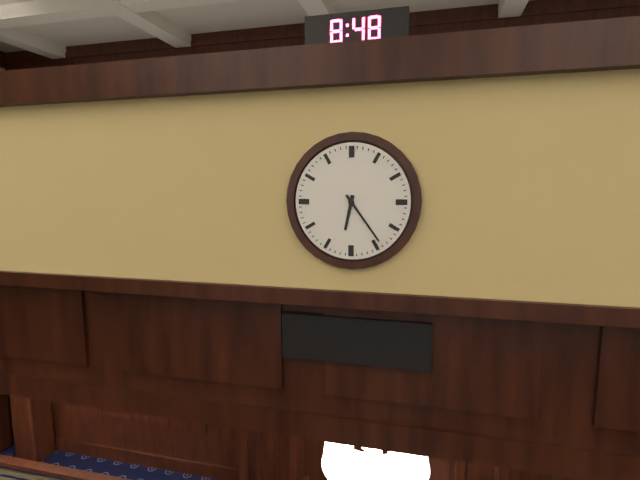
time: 6:24
